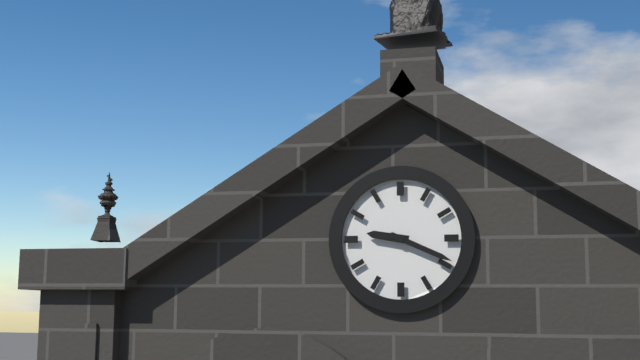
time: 9:19
